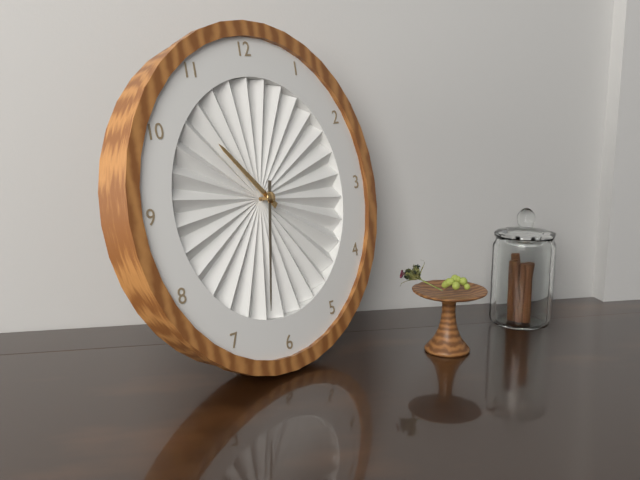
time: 10:32
